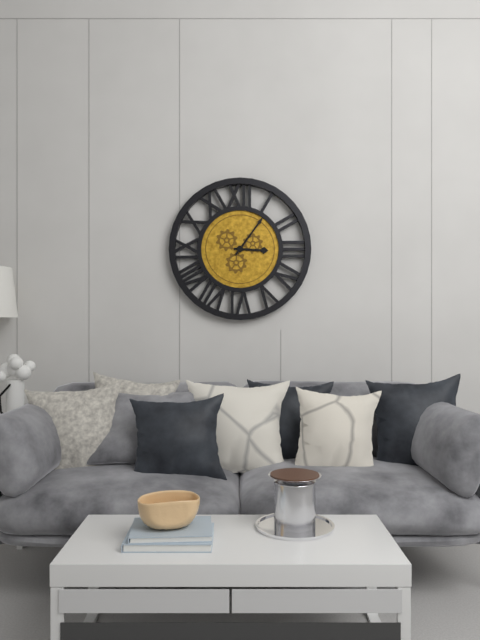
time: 3:06
